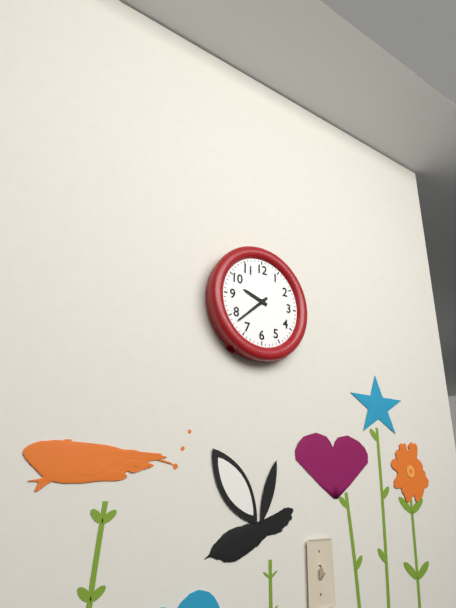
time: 9:38
